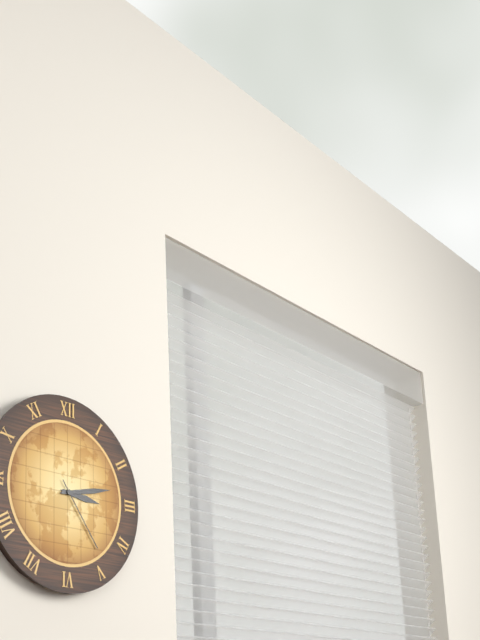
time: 3:13:24
